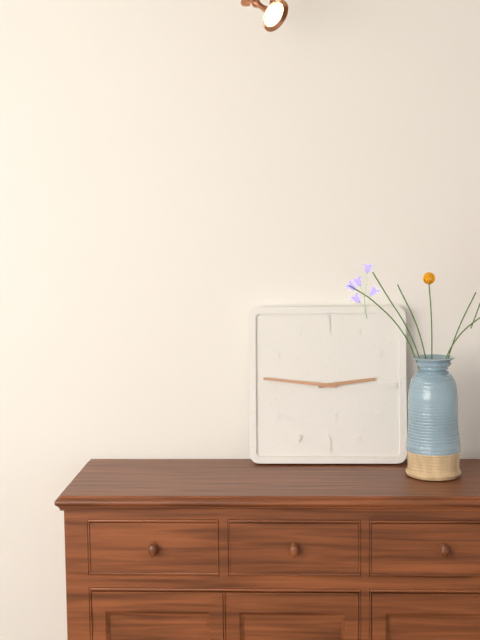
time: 2:46
